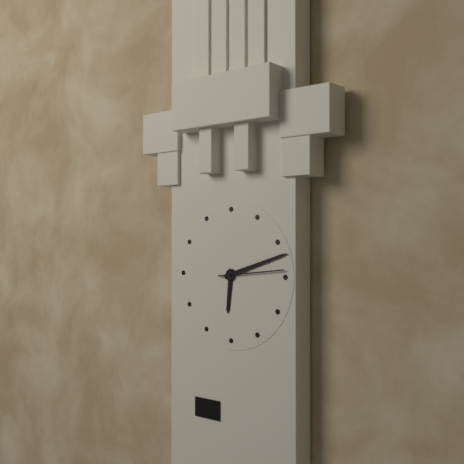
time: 6:12:14
